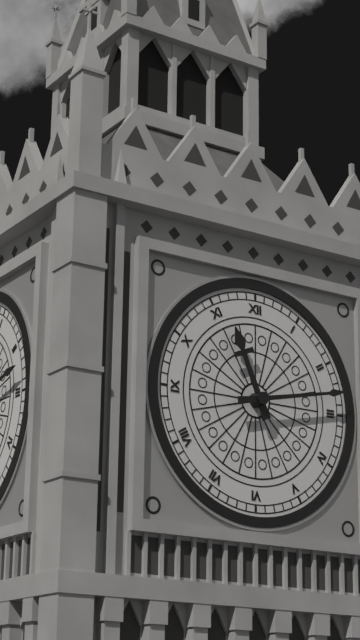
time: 11:13
